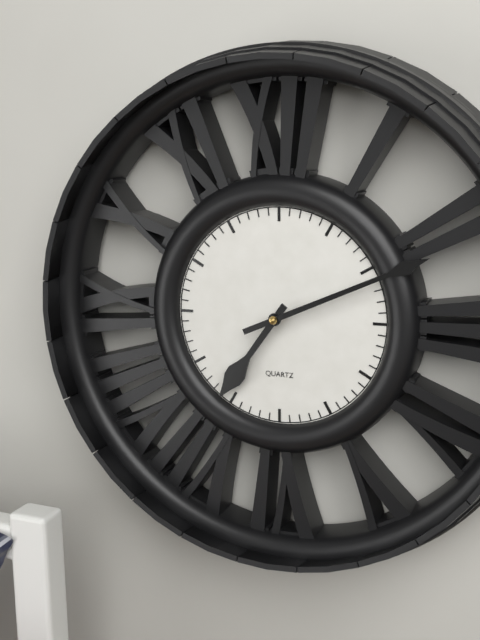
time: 7:11
